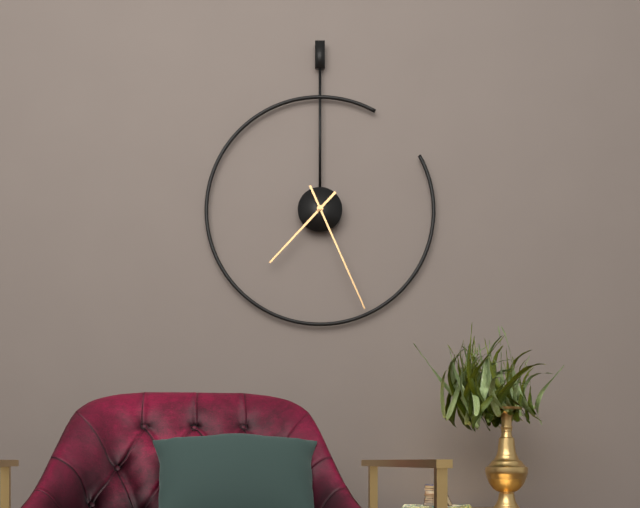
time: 7:26
